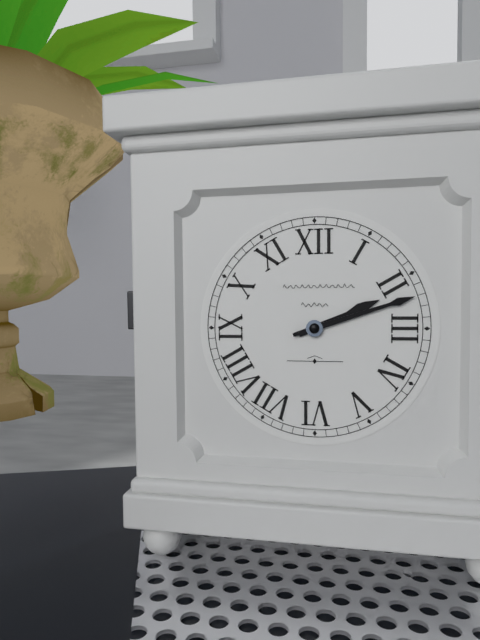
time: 2:12
